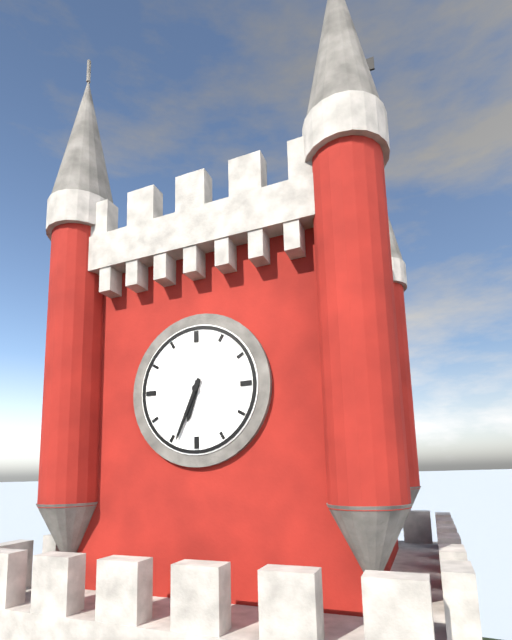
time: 6:34
